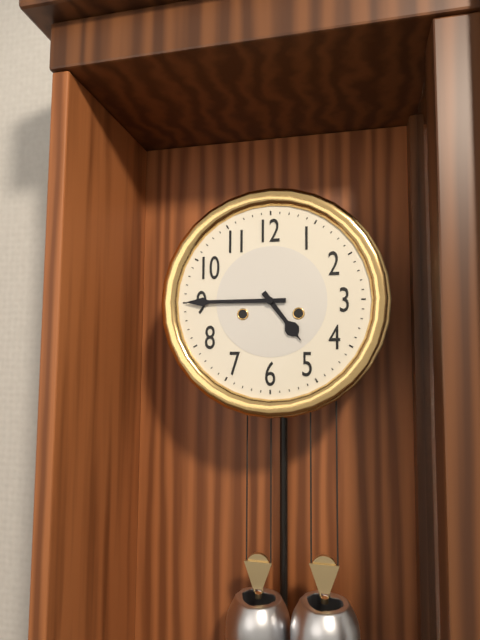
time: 4:45
